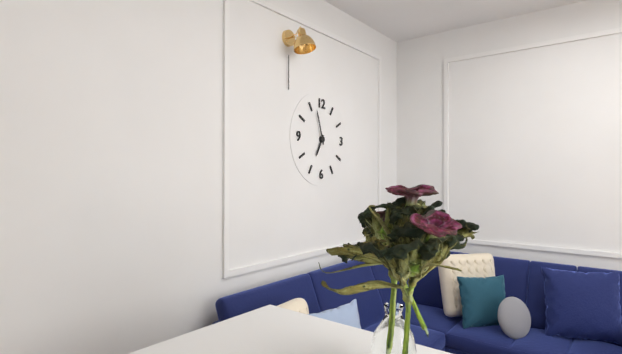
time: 6:57
